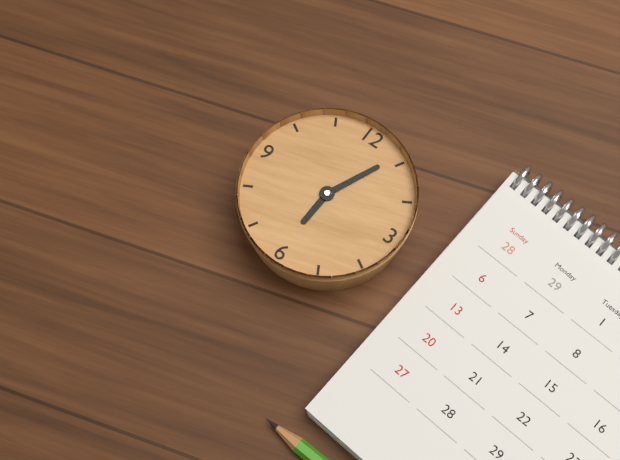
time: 6:04
